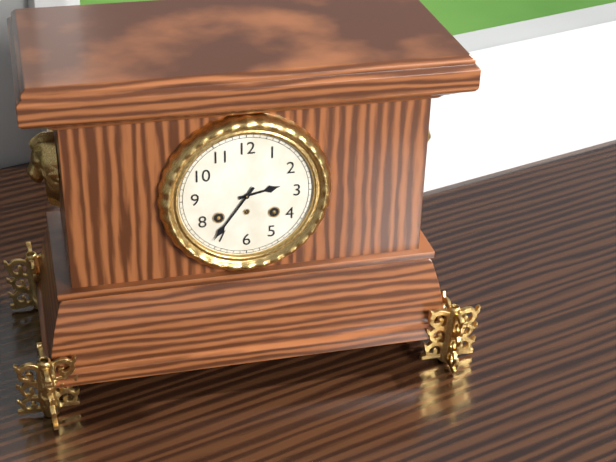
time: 2:36
